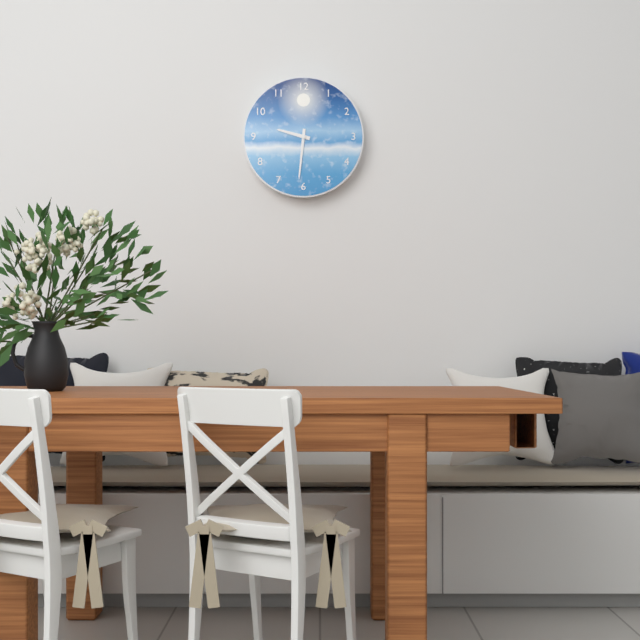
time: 9:31
